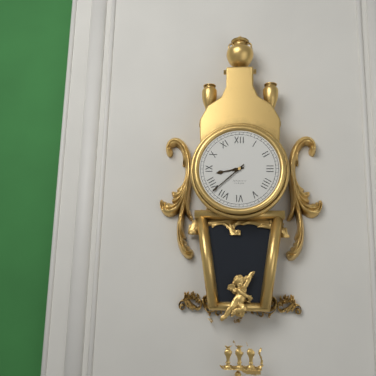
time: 8:38
